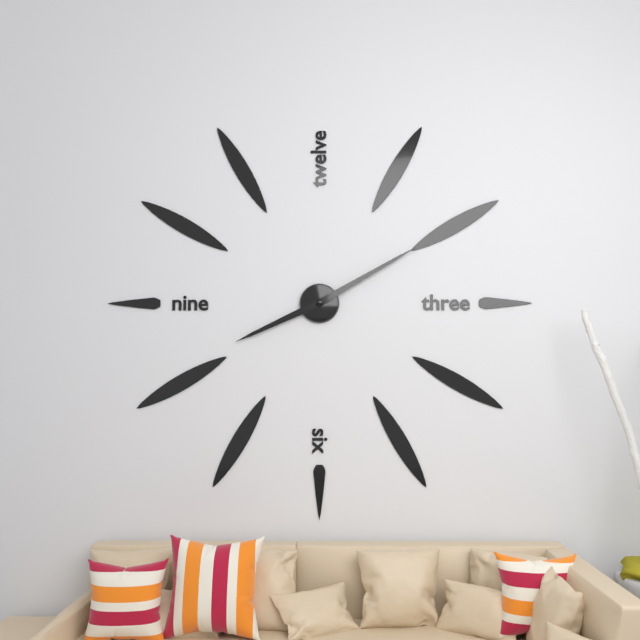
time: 8:10
